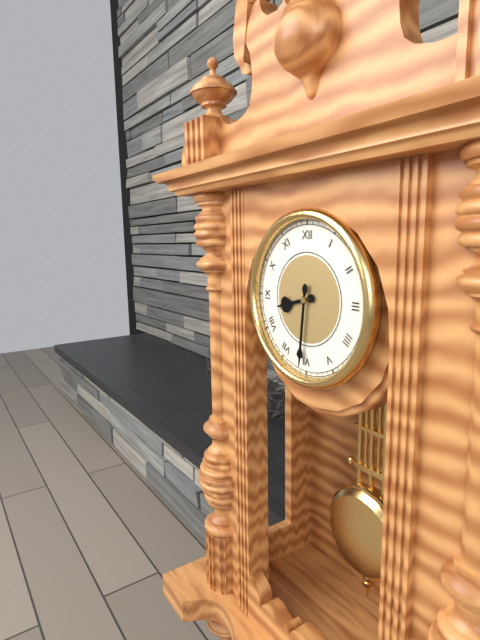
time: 8:31
